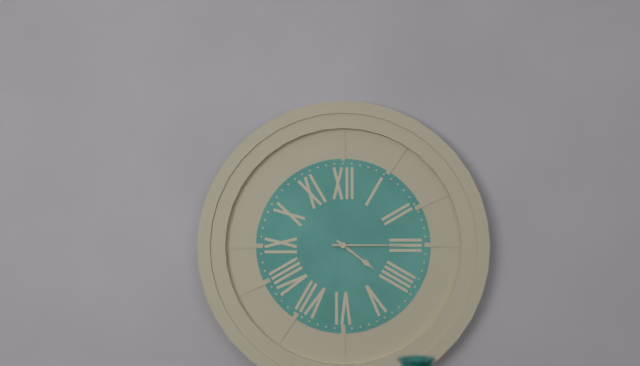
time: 4:15
